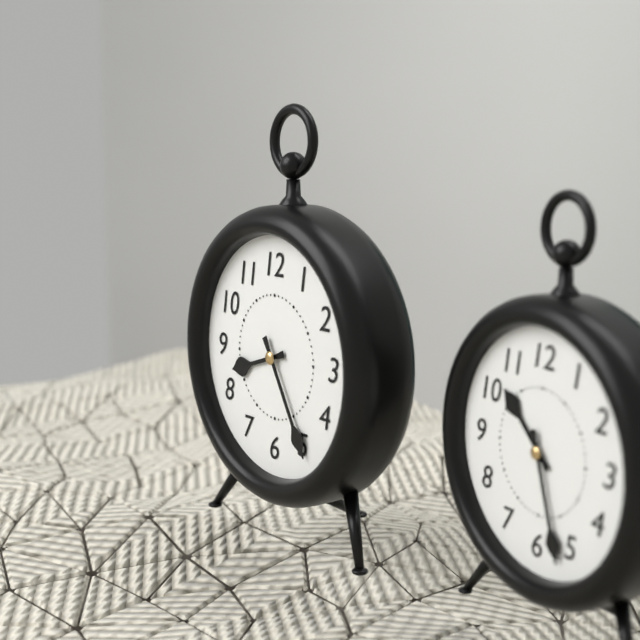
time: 8:25
